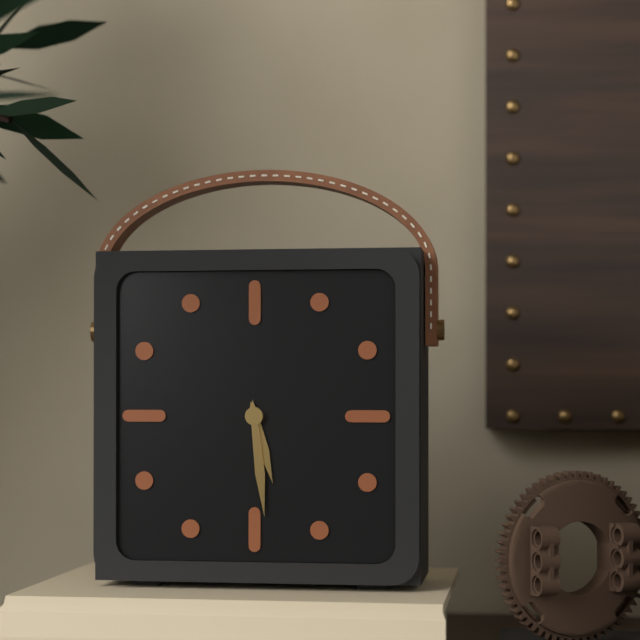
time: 5:29
